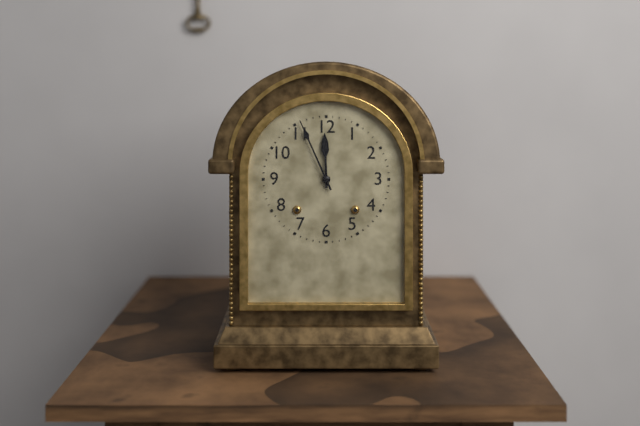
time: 11:56
